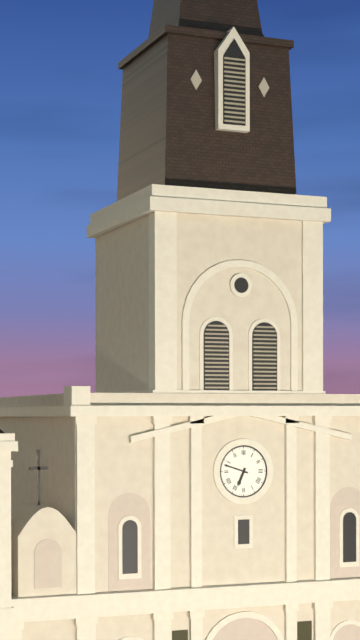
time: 6:48
